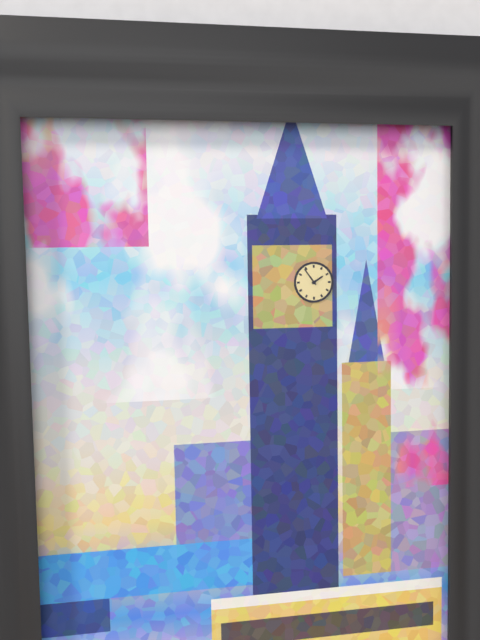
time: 1:54
